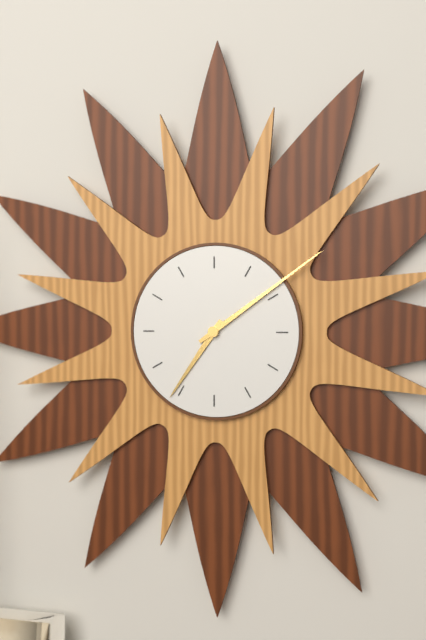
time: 7:09
